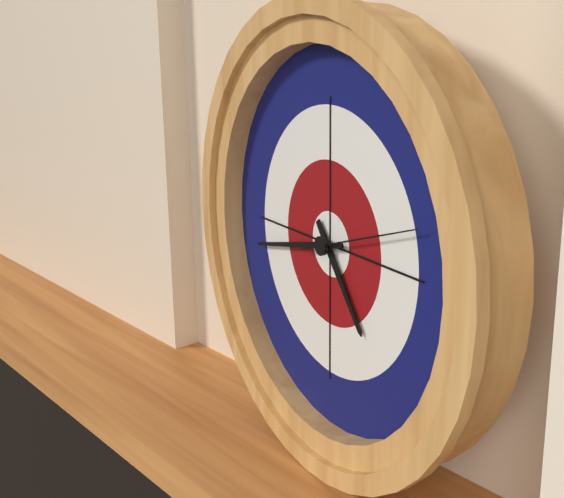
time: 4:43:12
